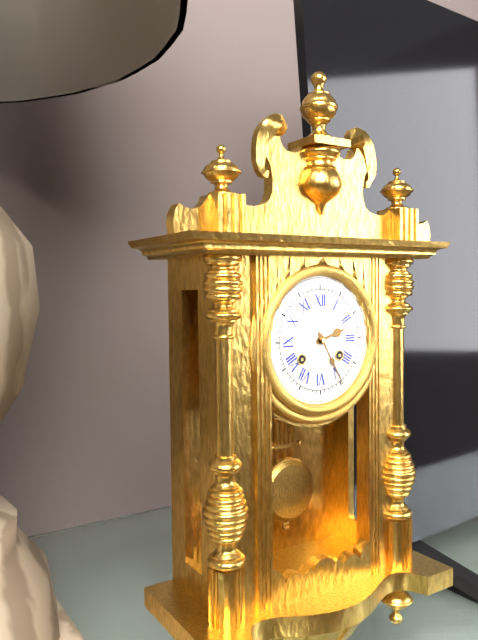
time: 2:25
